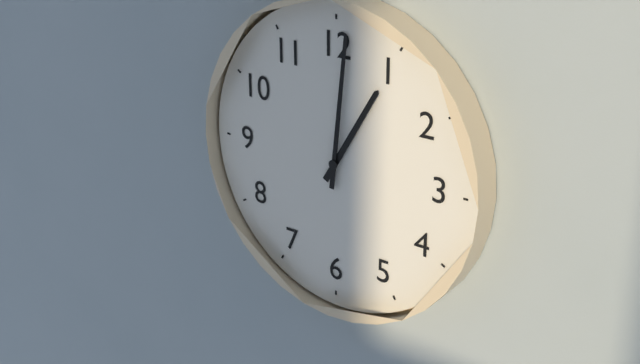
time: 1:01
